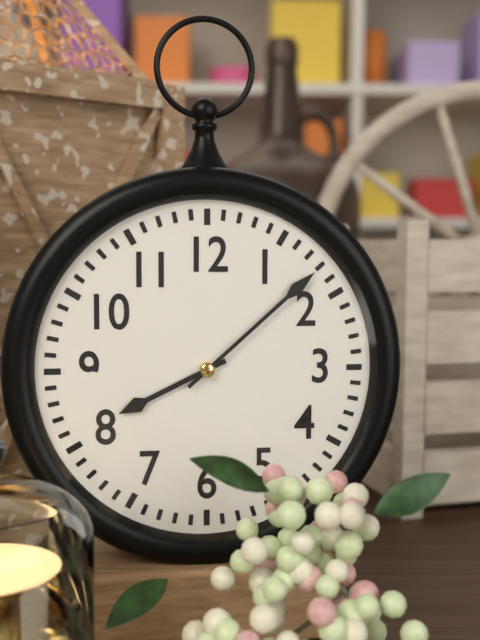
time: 8:08
